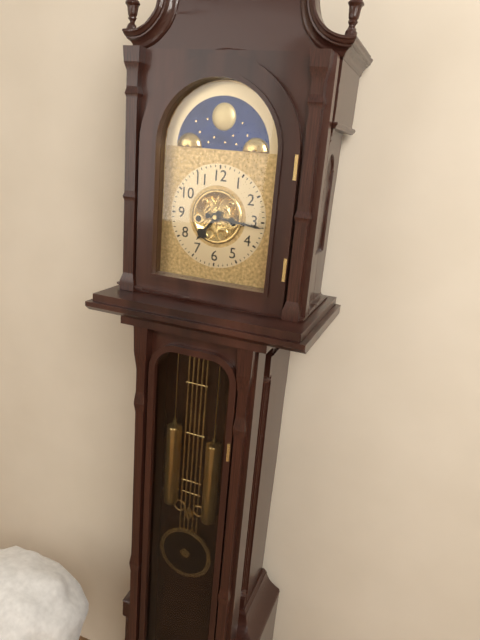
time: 7:16
